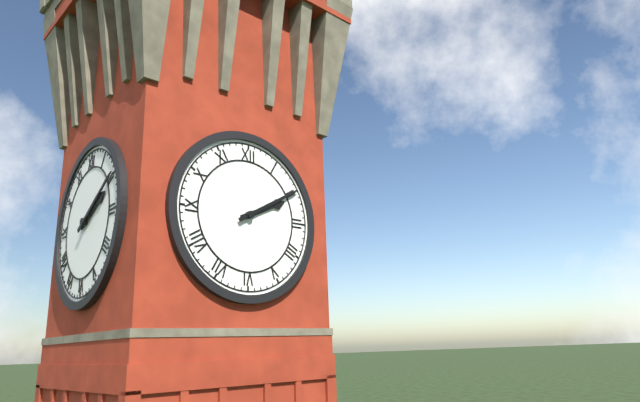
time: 2:10
